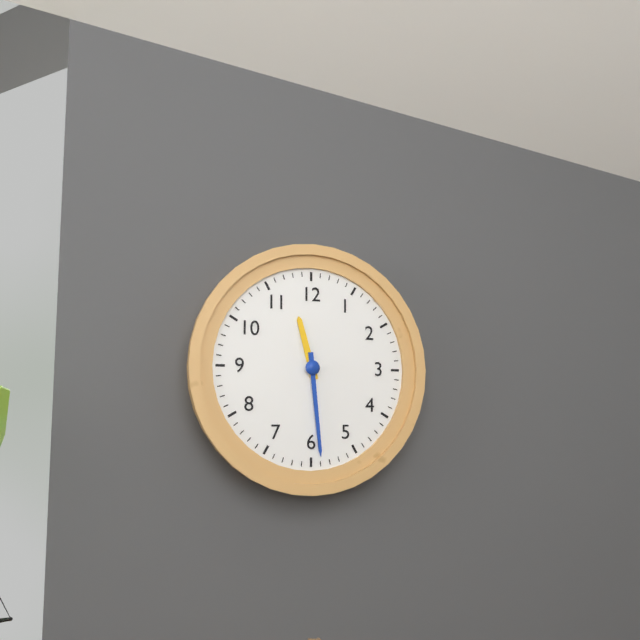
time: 11:29
